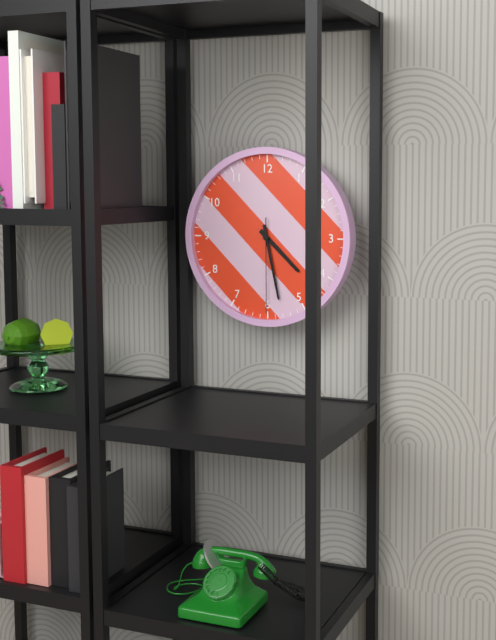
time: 4:28:30
